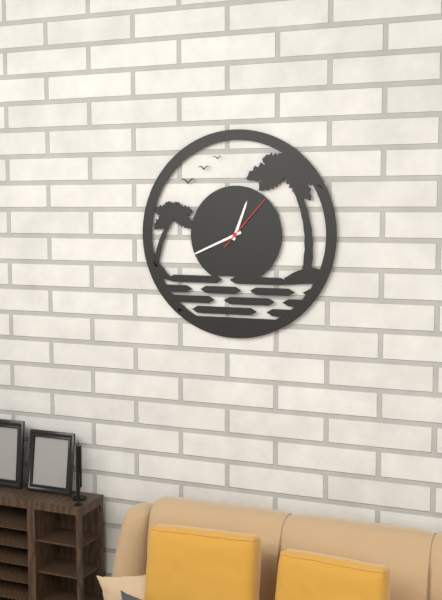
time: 12:41:07
